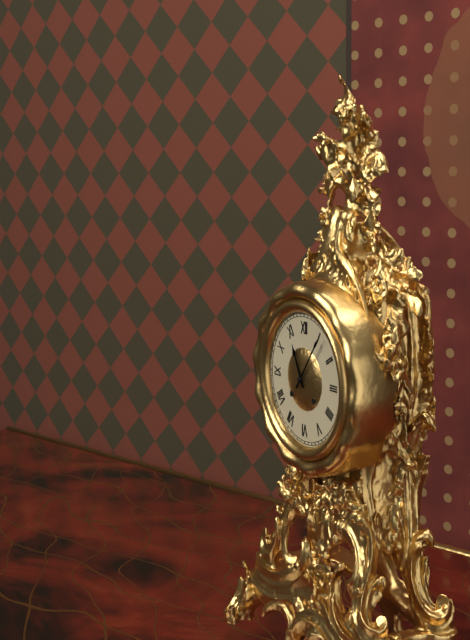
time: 11:06
